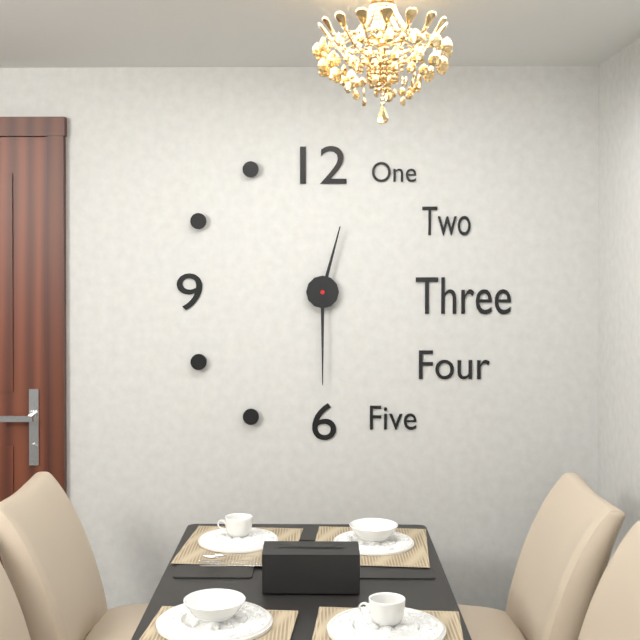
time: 12:30
